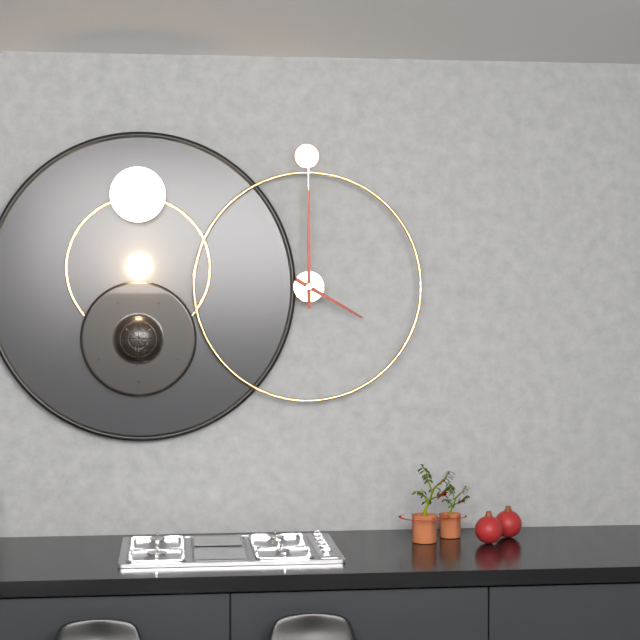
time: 4:00
